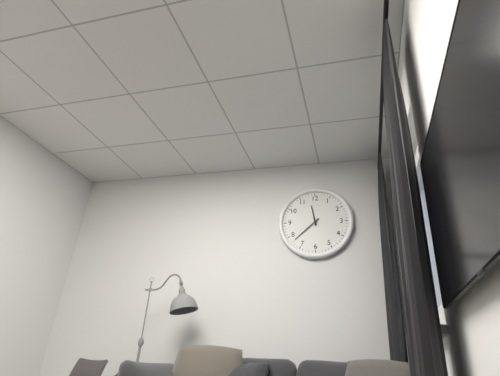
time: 11:38
